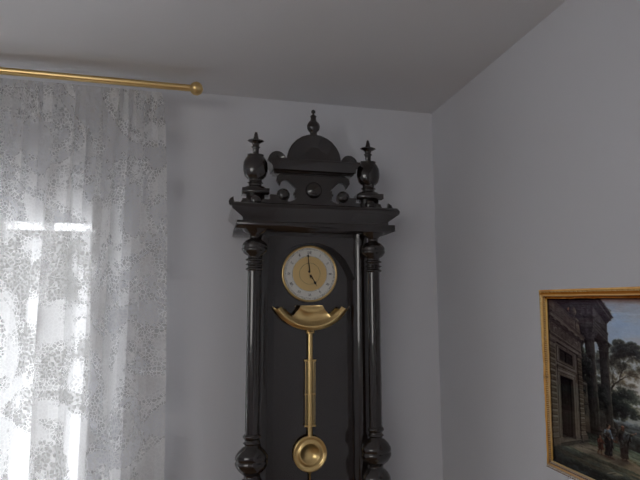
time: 4:59
